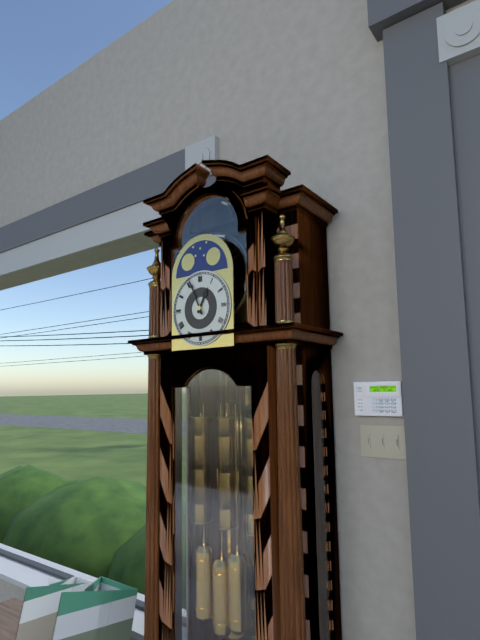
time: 12:56
